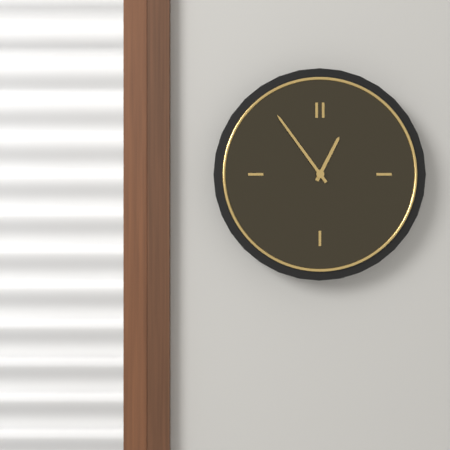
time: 12:54
